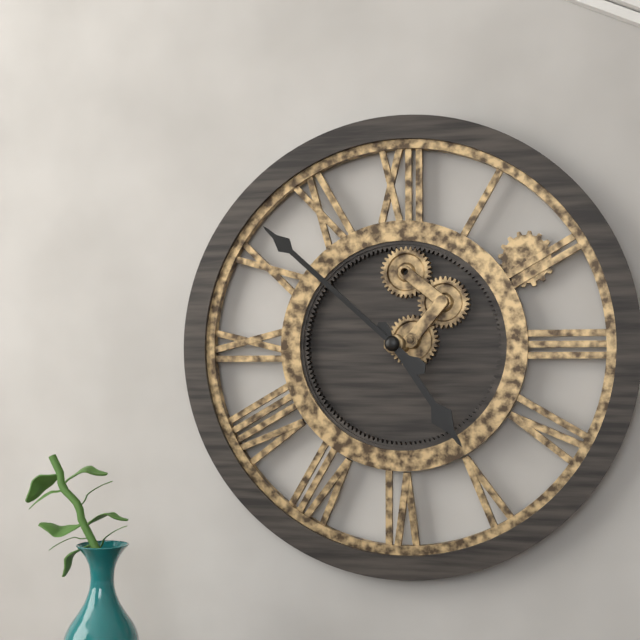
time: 4:52
